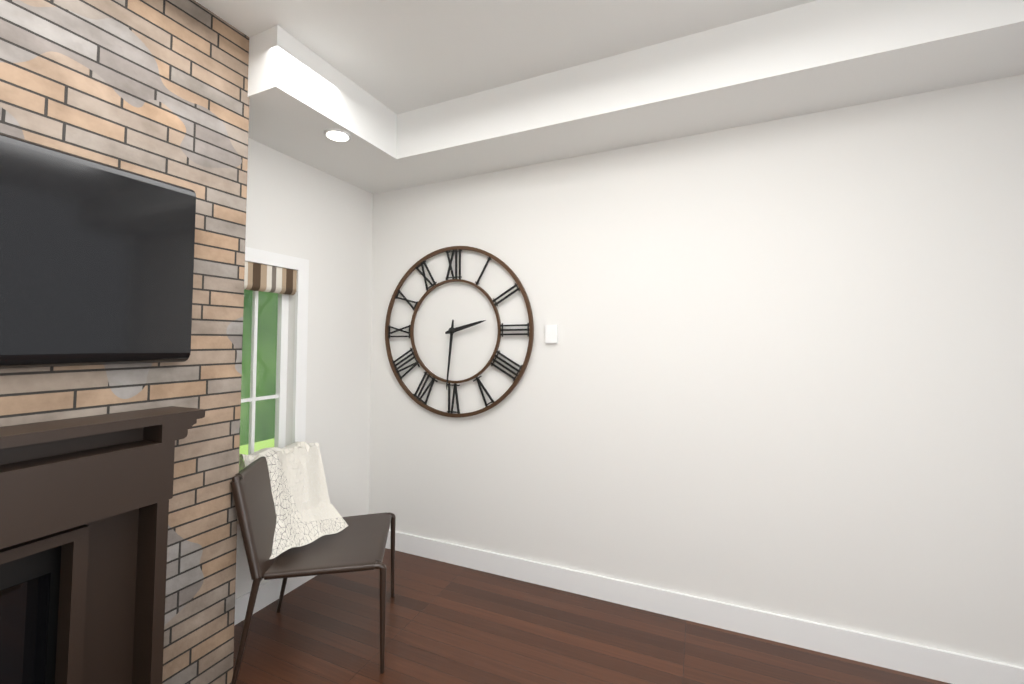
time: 2:31
